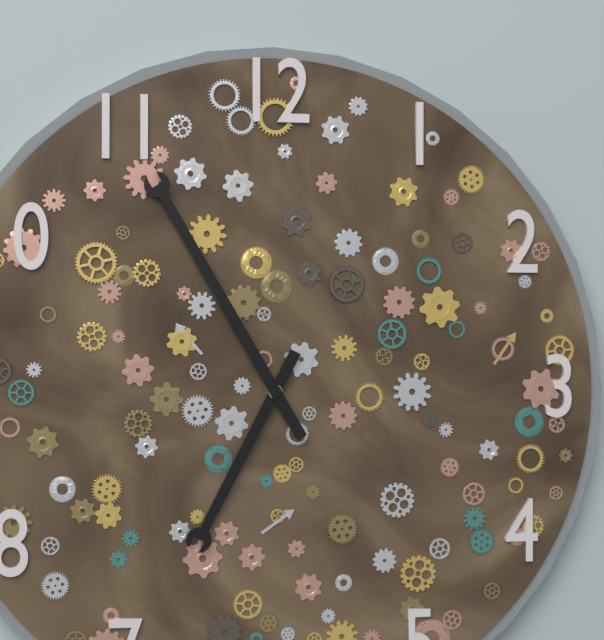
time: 6:55
